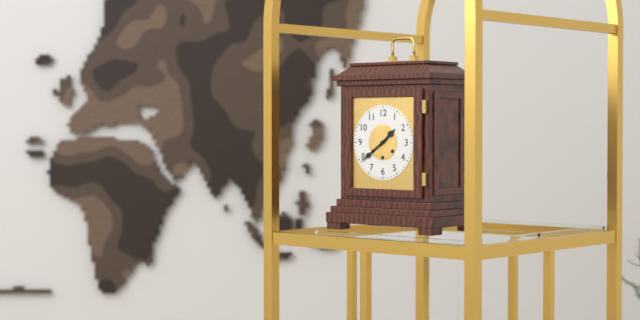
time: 1:39
